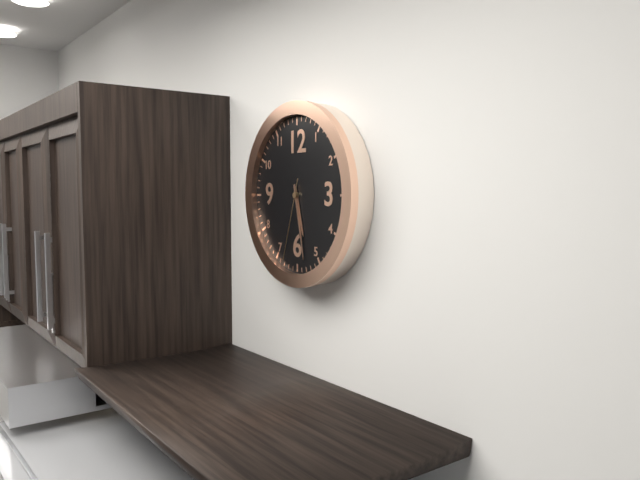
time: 5:28:33
